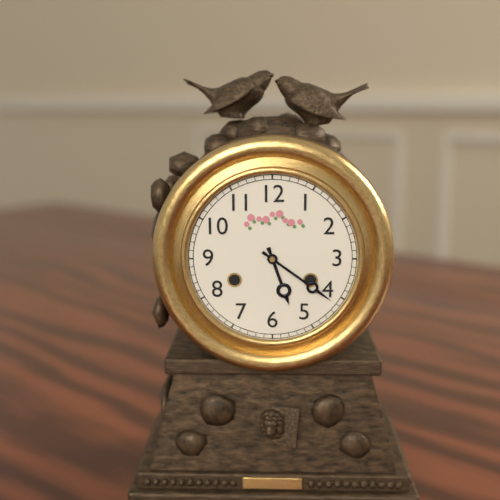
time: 5:21
